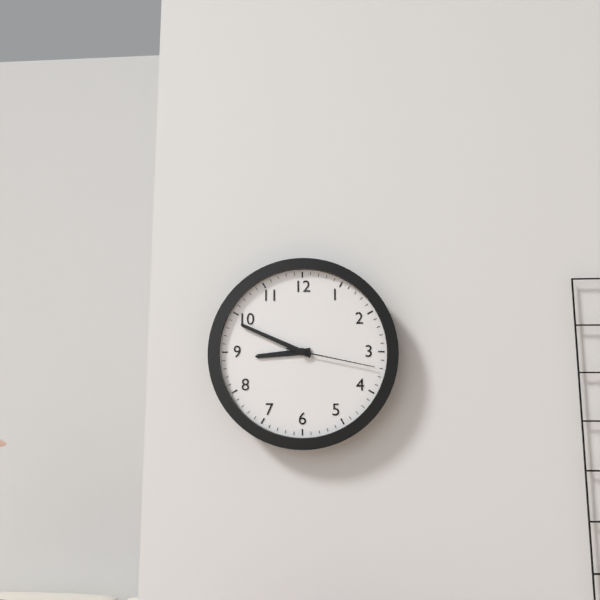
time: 8:49:17
